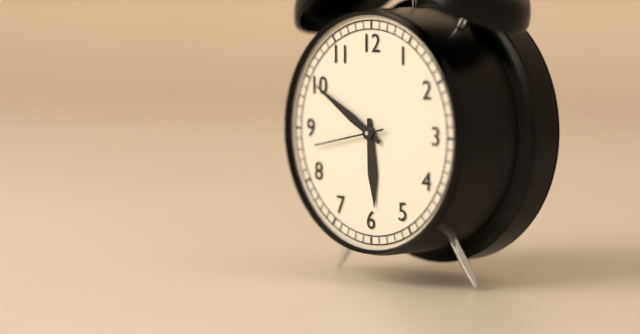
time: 5:50:43
